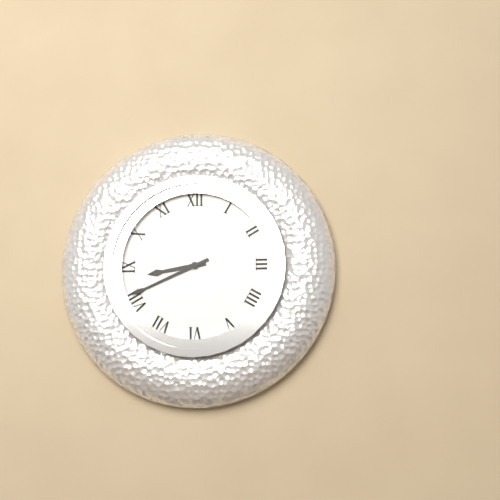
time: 8:41
